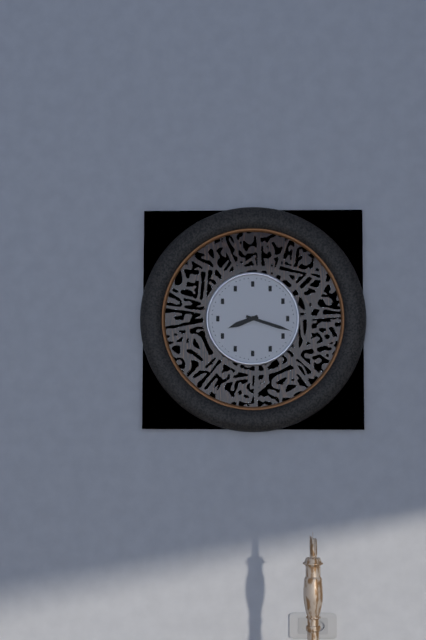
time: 8:18
